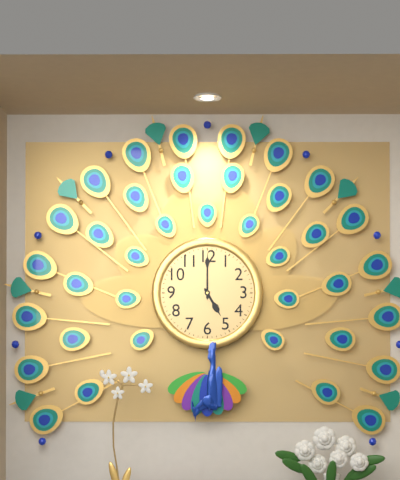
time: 5:00
